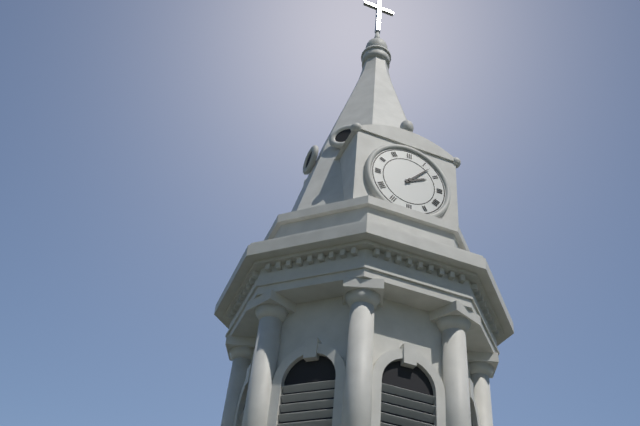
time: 2:07
